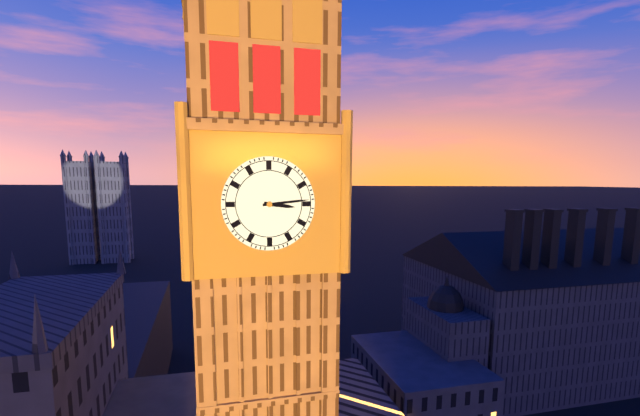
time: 3:14
